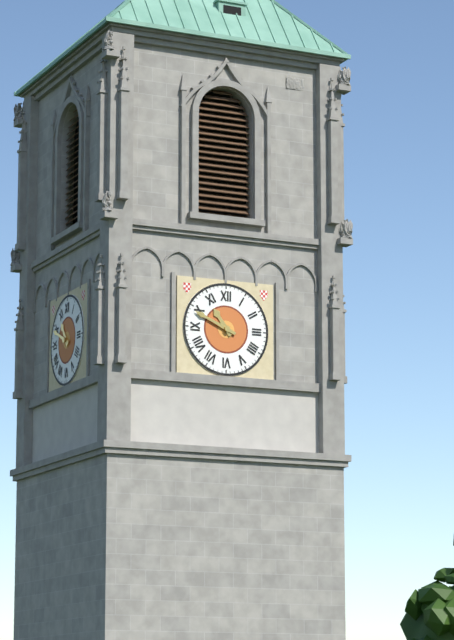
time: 10:49
